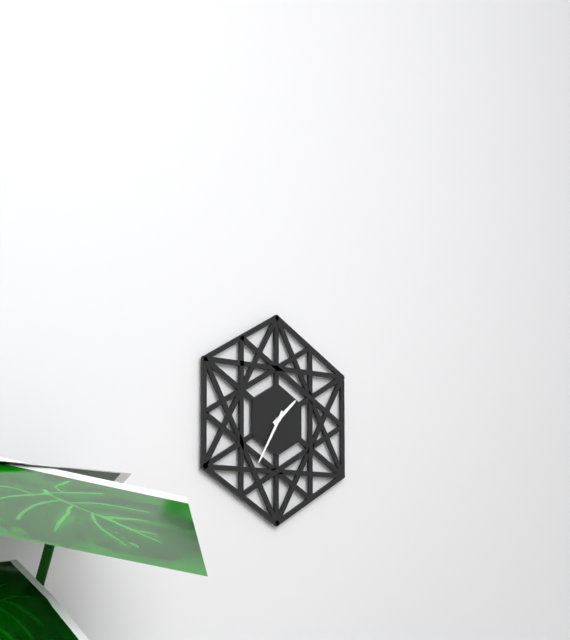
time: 1:35
